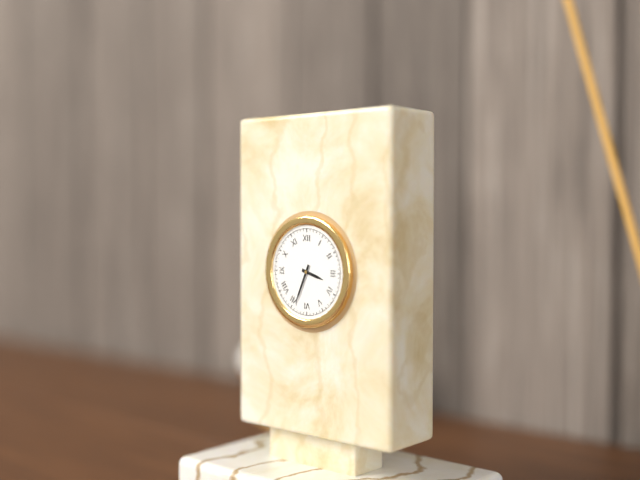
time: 3:34
